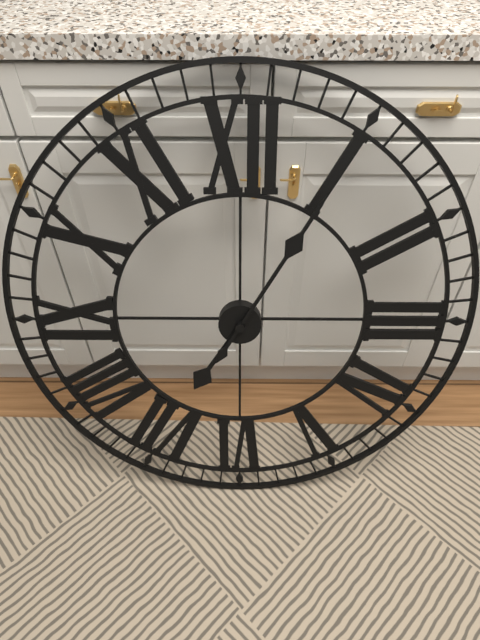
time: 7:05
